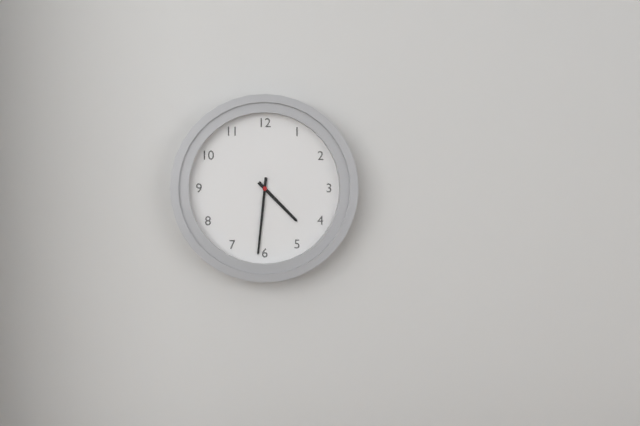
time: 4:31
